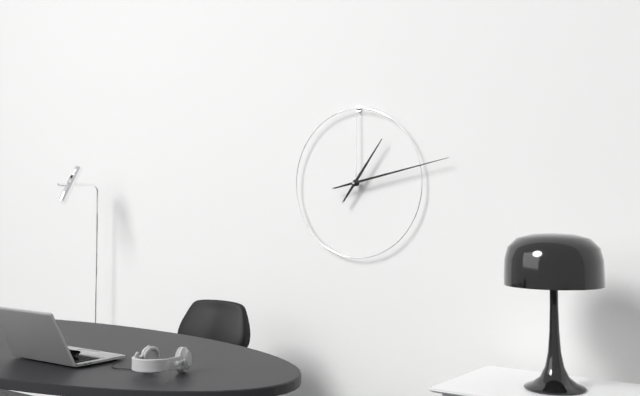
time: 1:13
